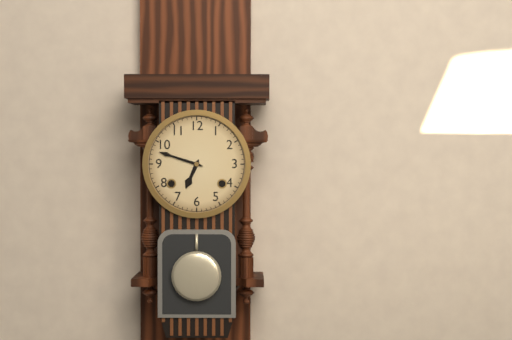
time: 6:48
